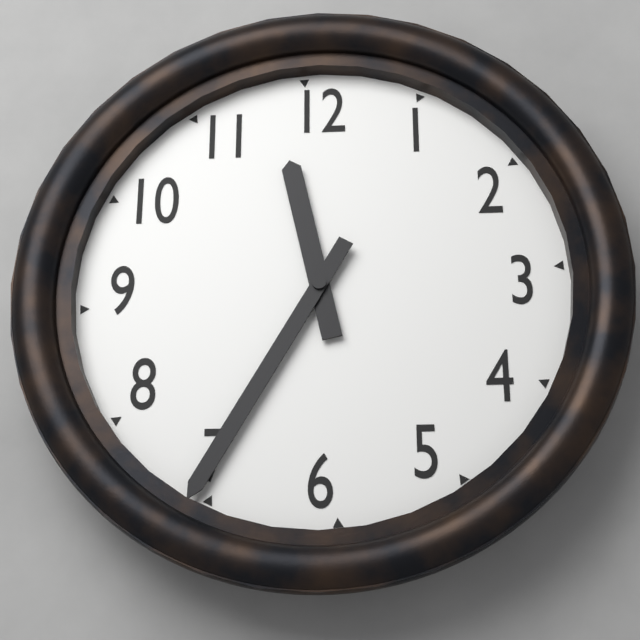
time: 11:35
